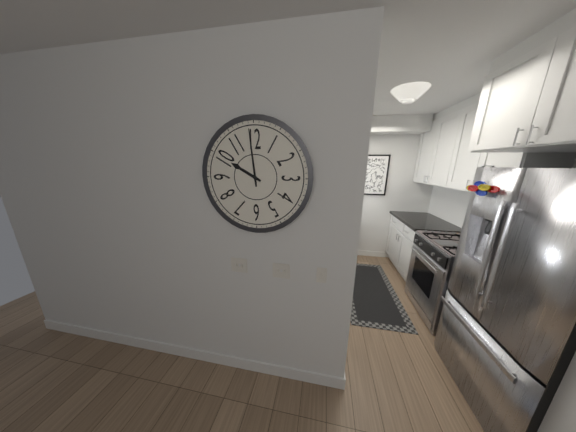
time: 9:59
